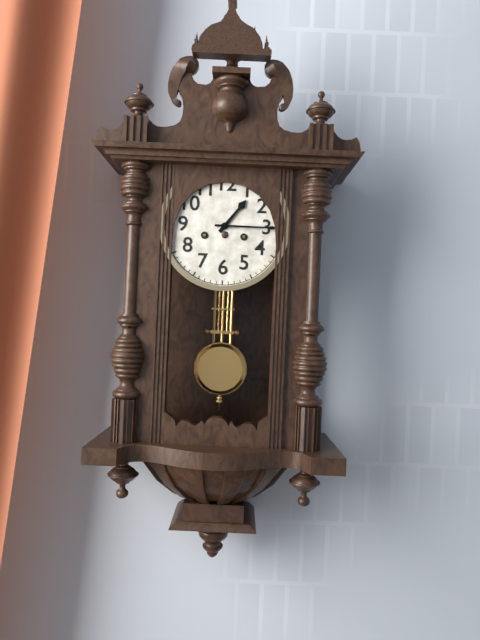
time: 1:15
